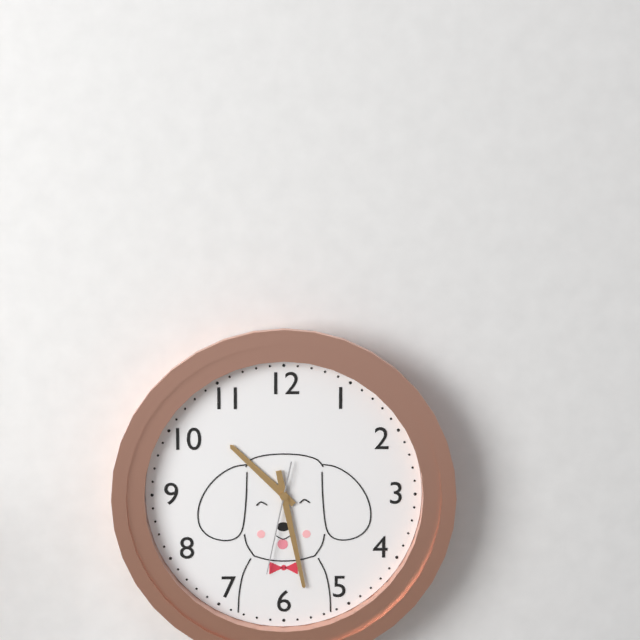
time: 10:28:32
